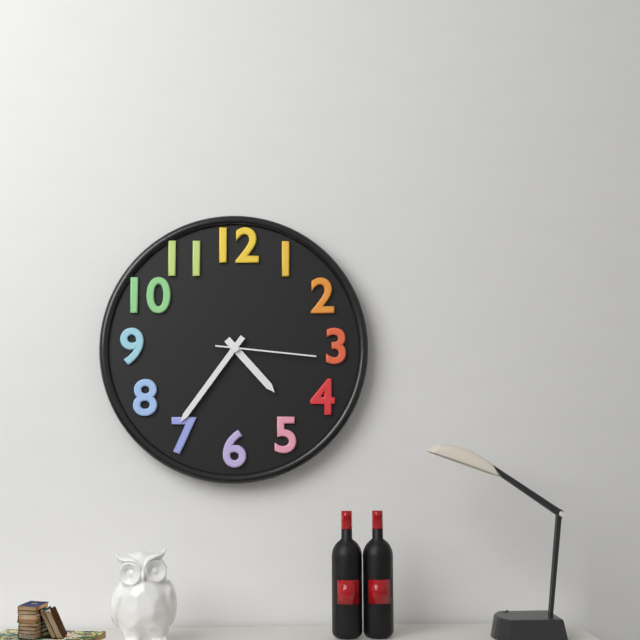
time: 4:36:16
